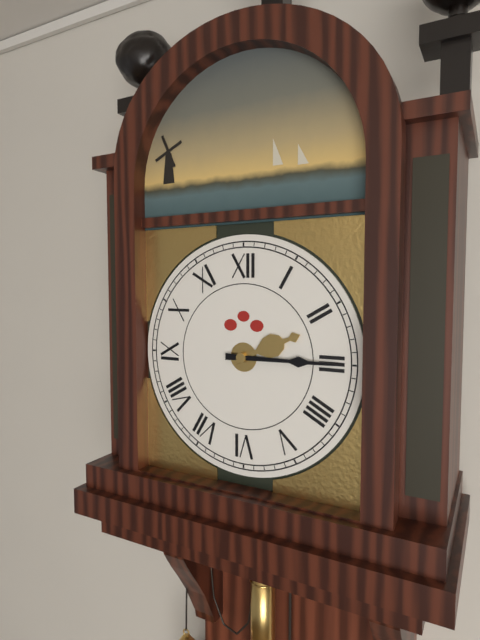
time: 2:15
